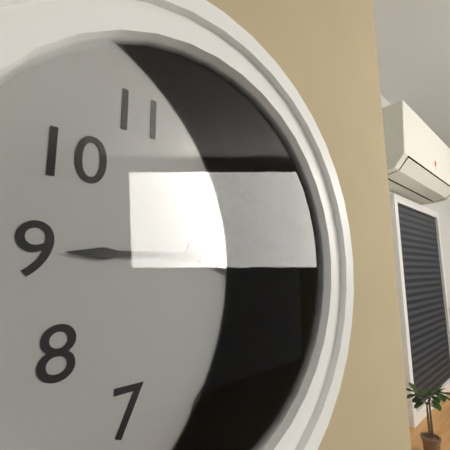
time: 3:45
